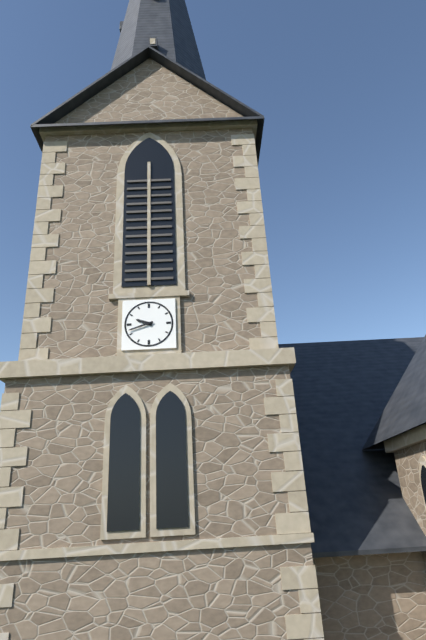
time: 9:42
